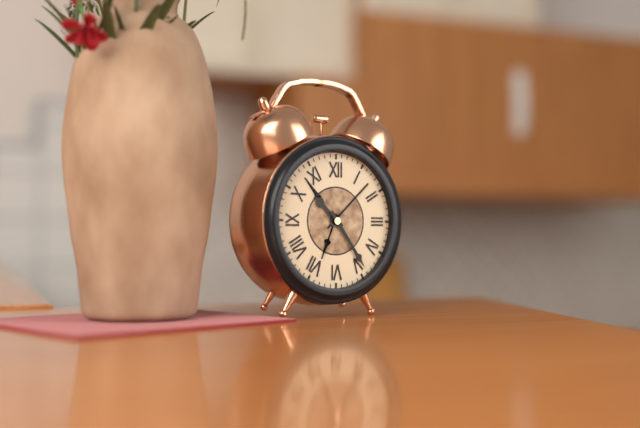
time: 10:24
